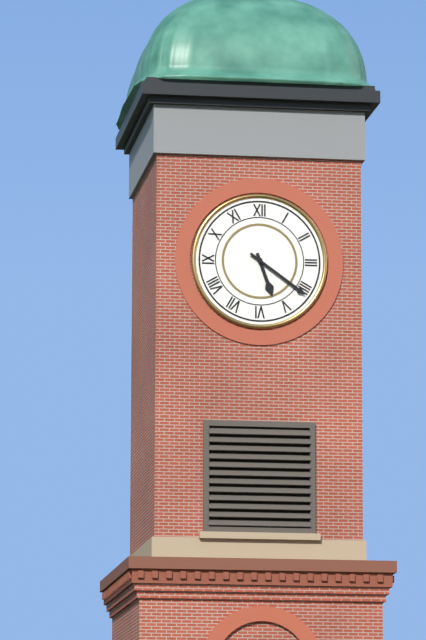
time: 5:21
